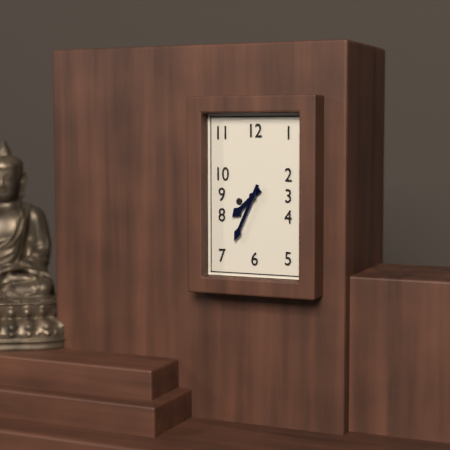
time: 7:34
